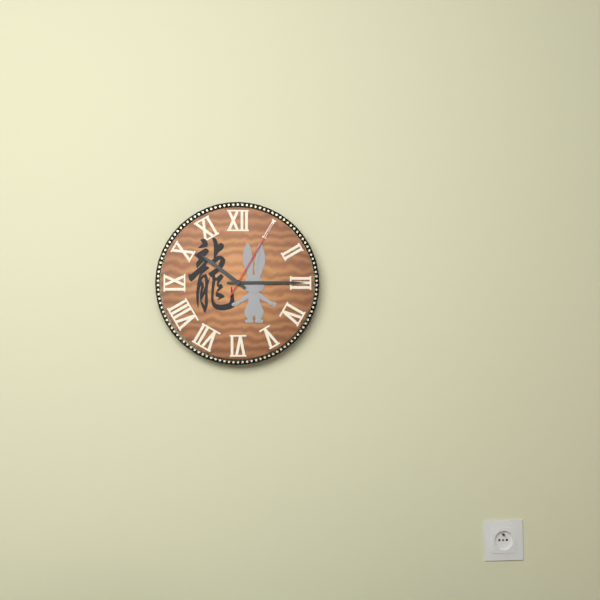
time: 10:15:05
